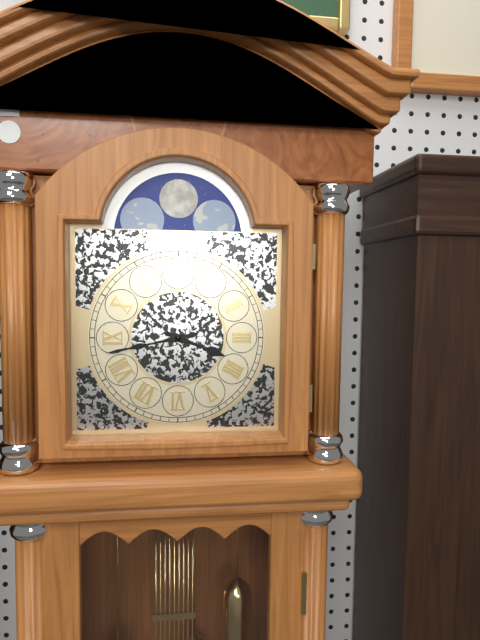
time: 3:43
